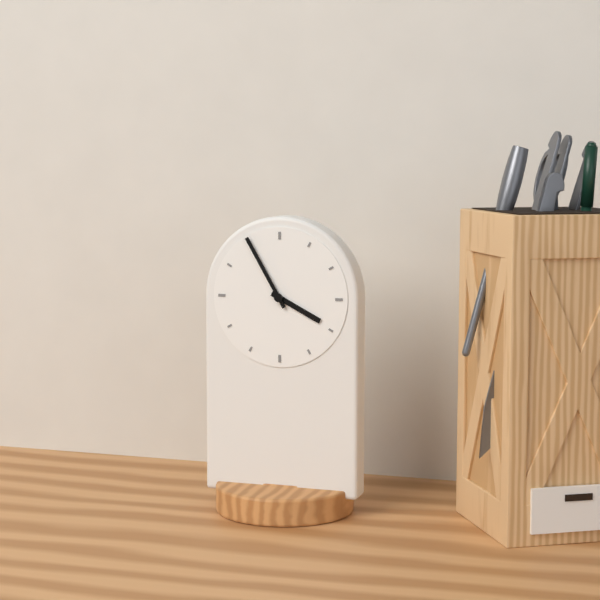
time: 3:55
